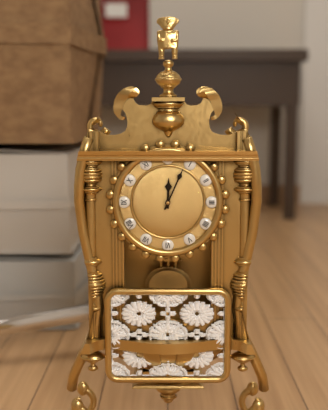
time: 12:04
